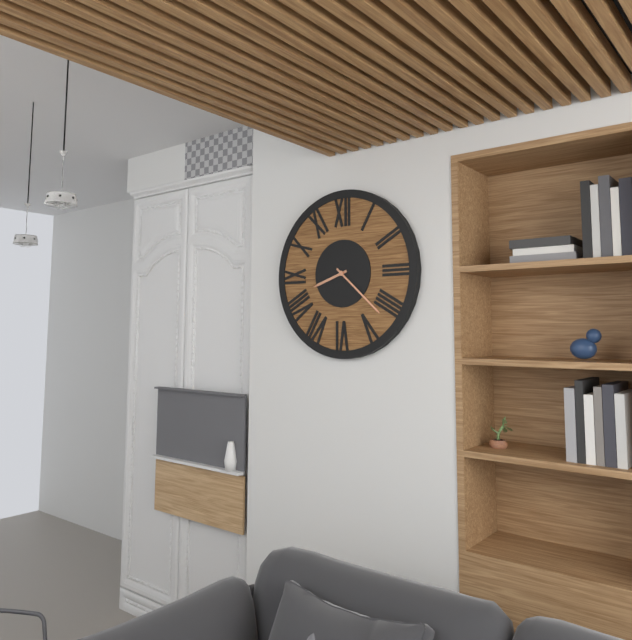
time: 8:22
